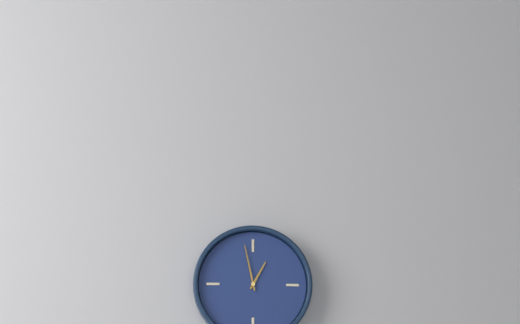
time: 12:58
